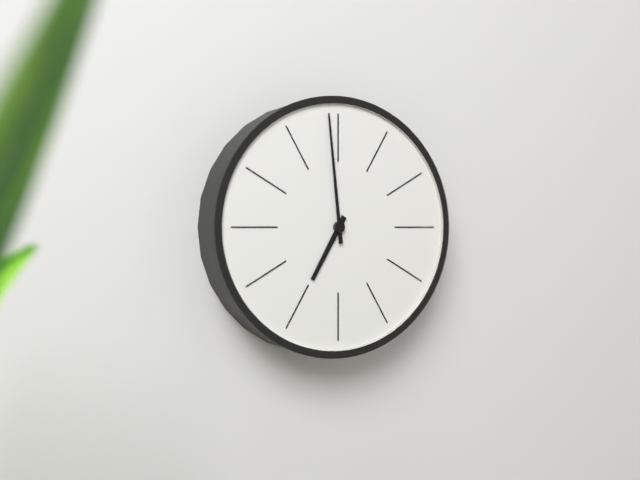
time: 6:59
